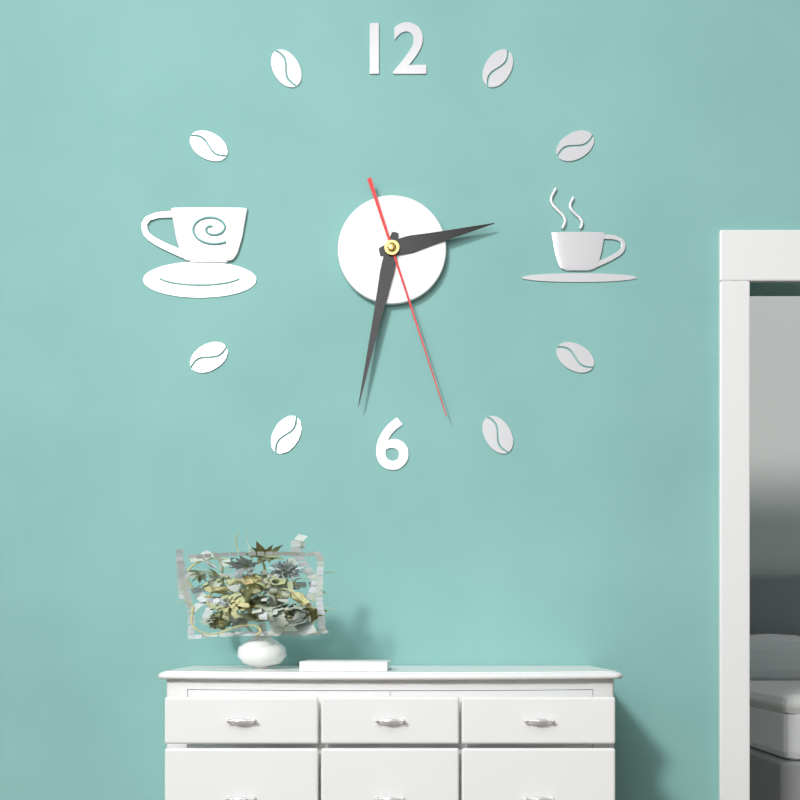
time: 2:32:27
